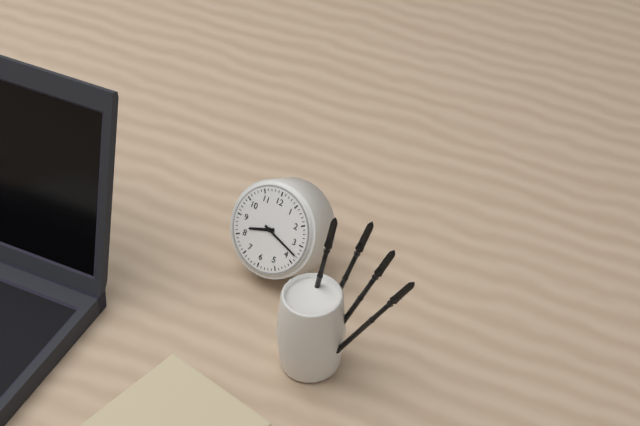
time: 8:18
